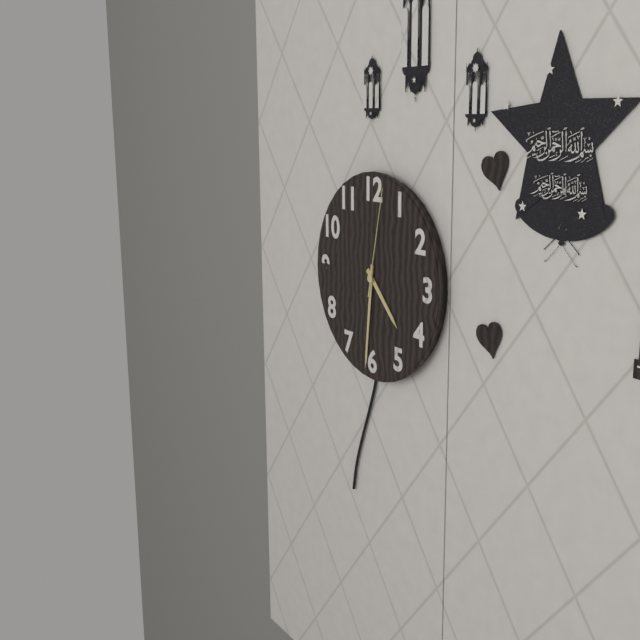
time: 4:31:02
